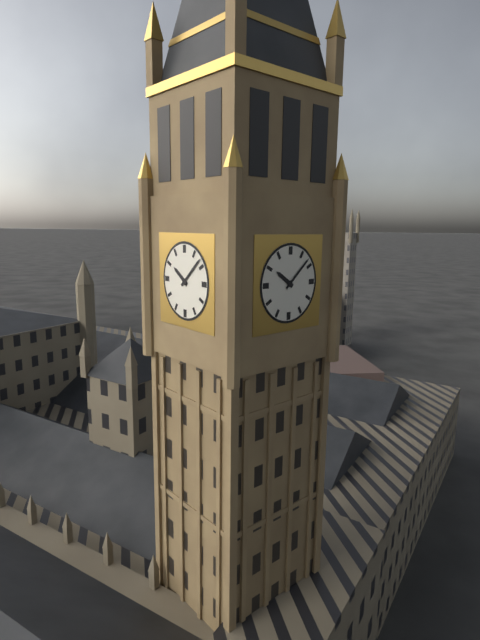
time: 10:08
